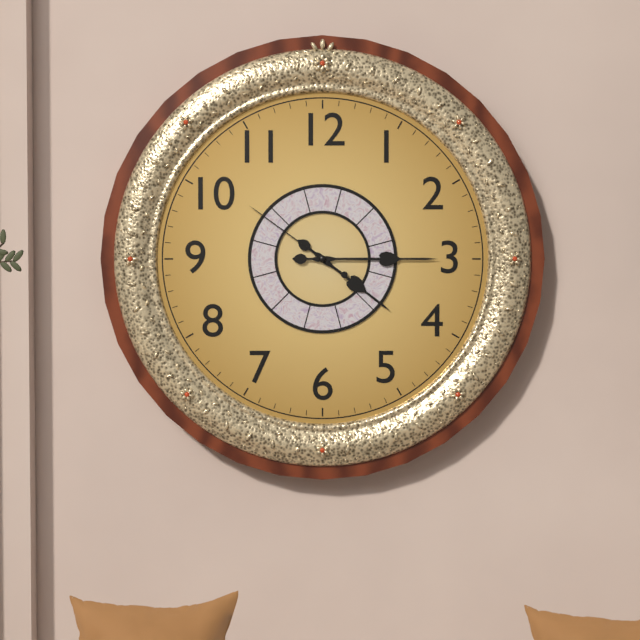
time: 4:15:51
